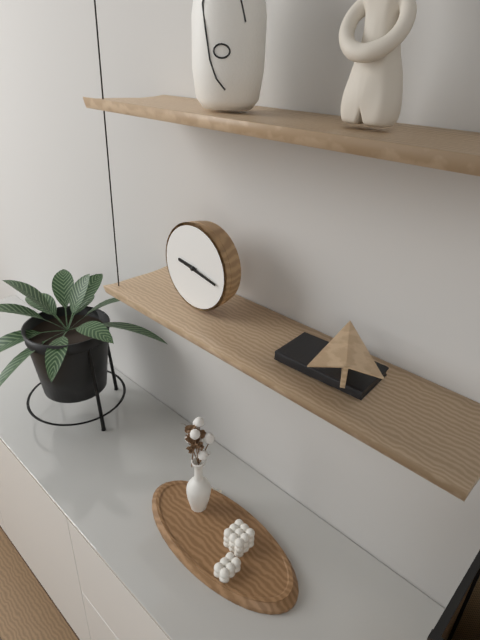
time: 9:17
